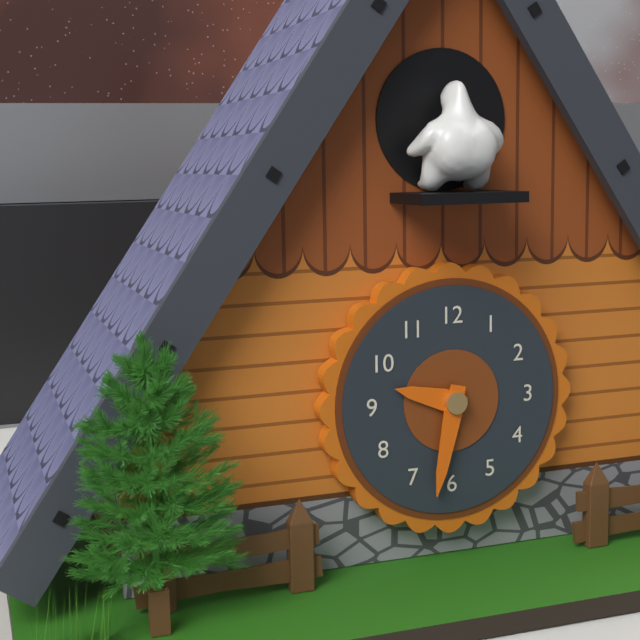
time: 9:32
